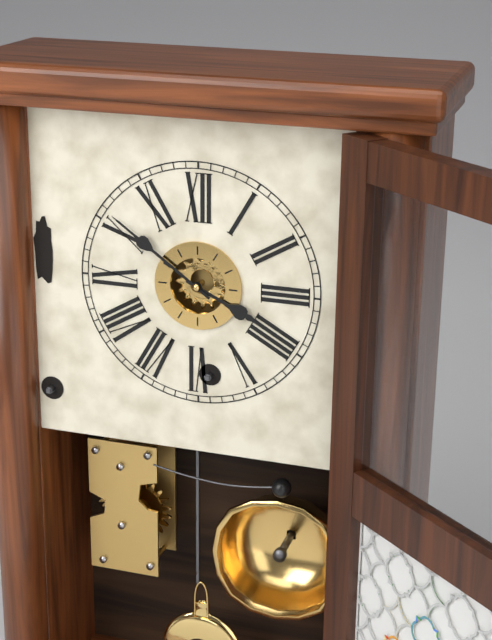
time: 3:51
